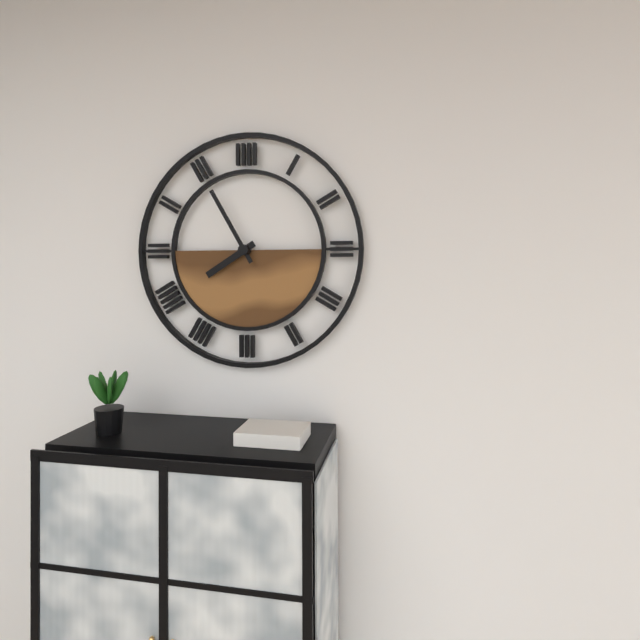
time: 7:55
